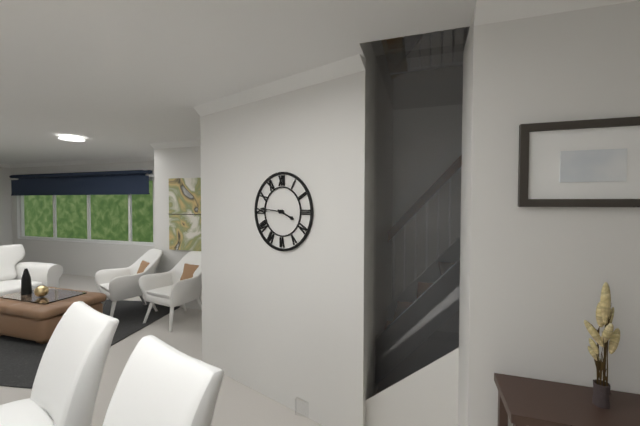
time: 3:46
